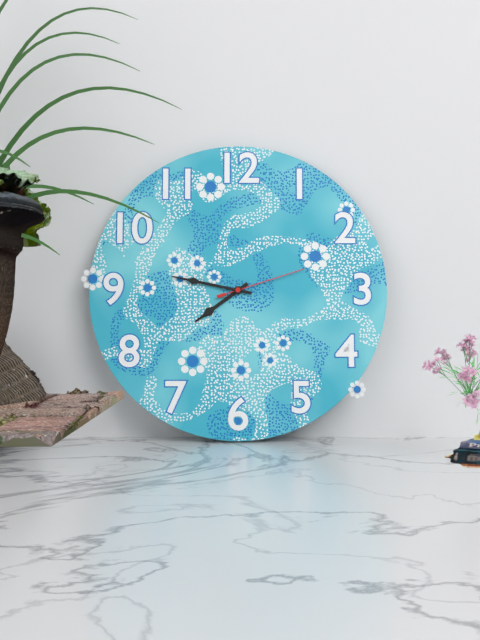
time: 7:47:12
